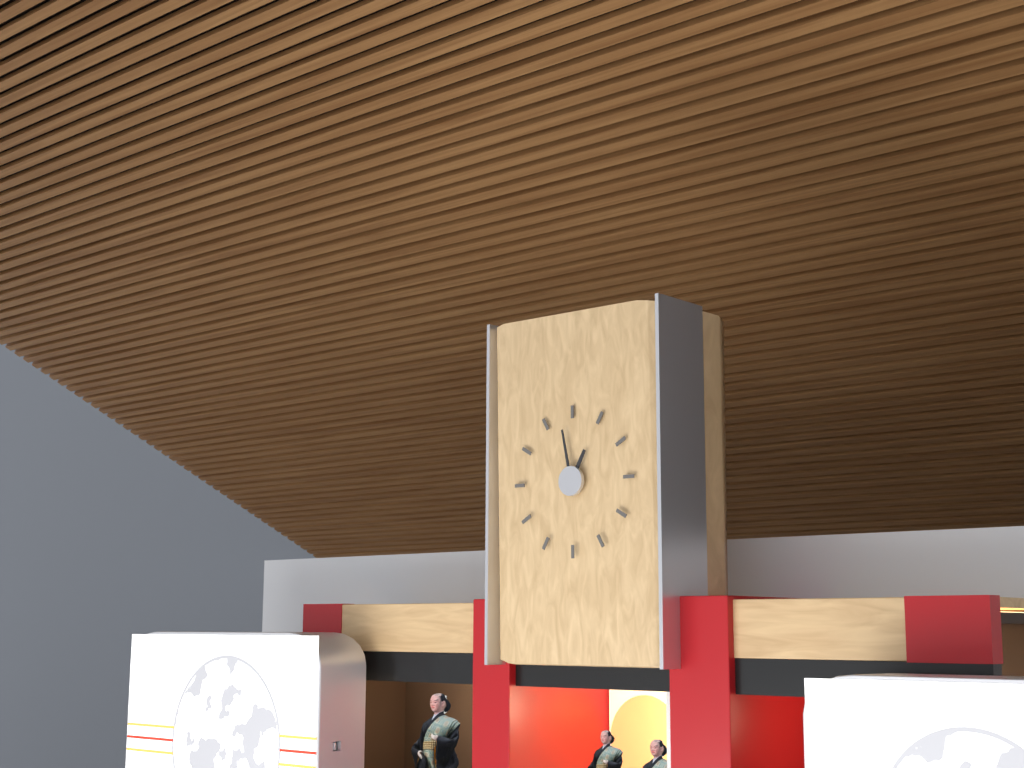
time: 12:58
